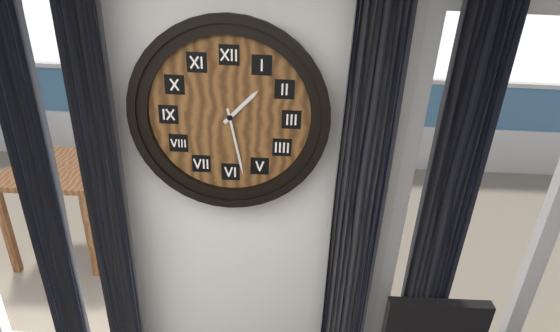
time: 1:28
